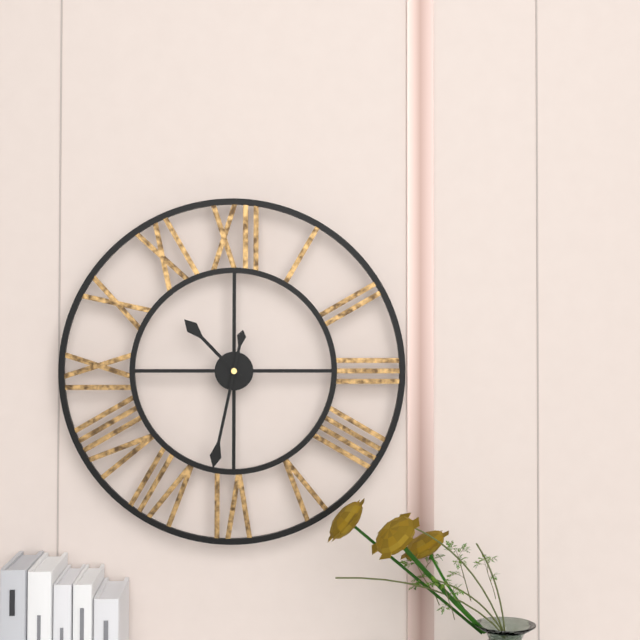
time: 10:32
